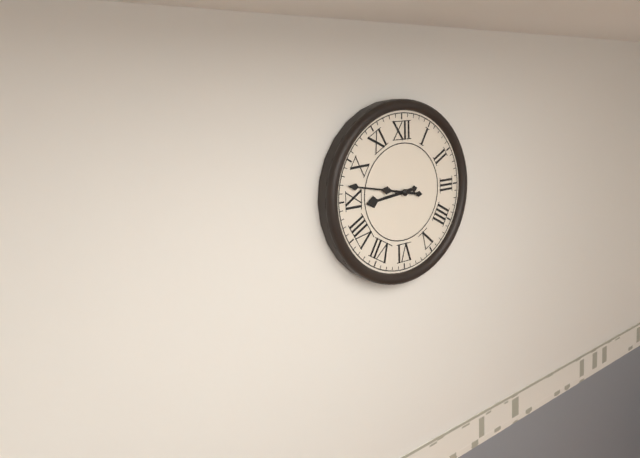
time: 8:47
